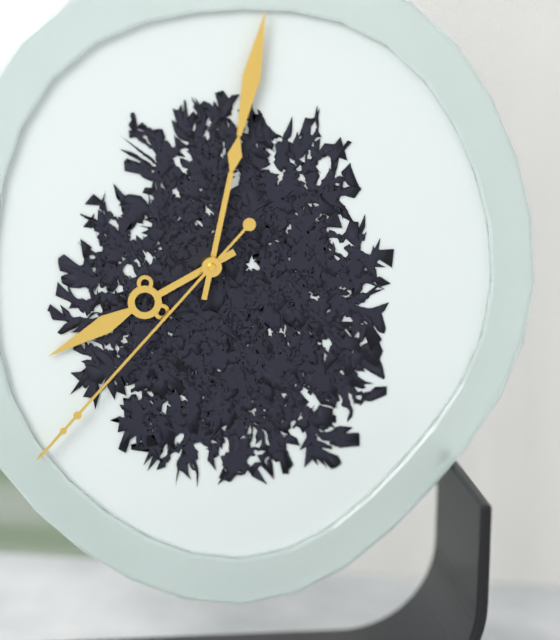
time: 8:02:37
